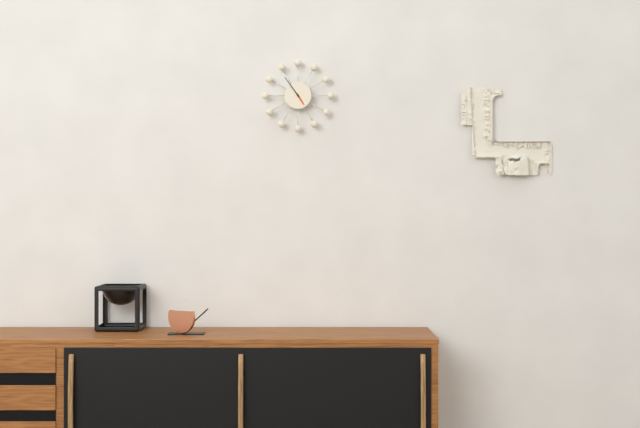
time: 4:54
